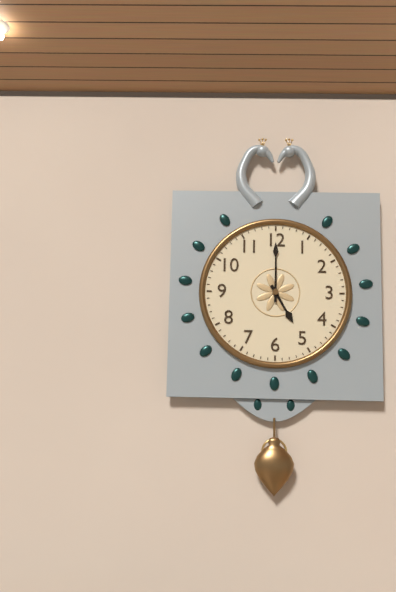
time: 5:00
